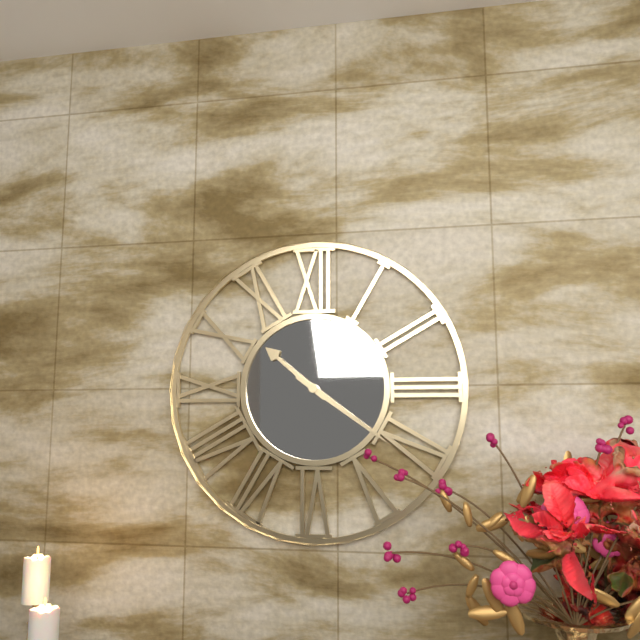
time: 10:21
